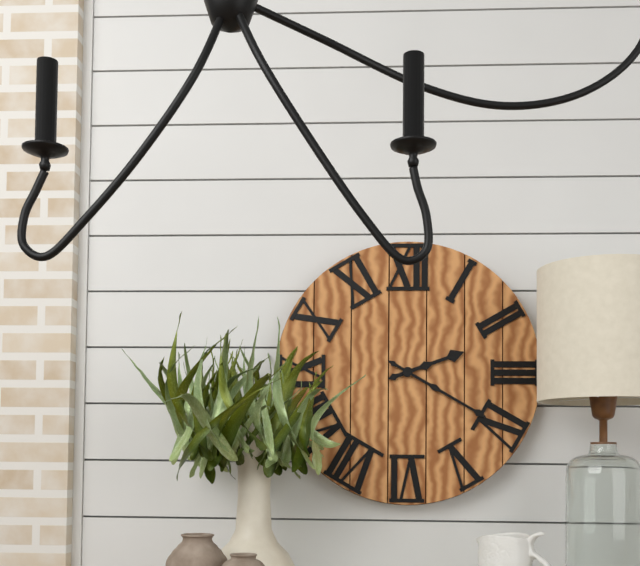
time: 2:20
